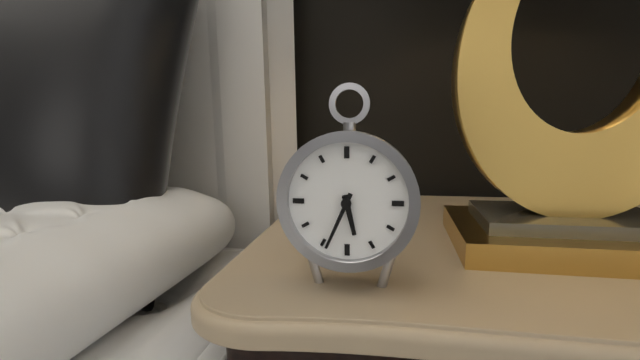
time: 5:34
